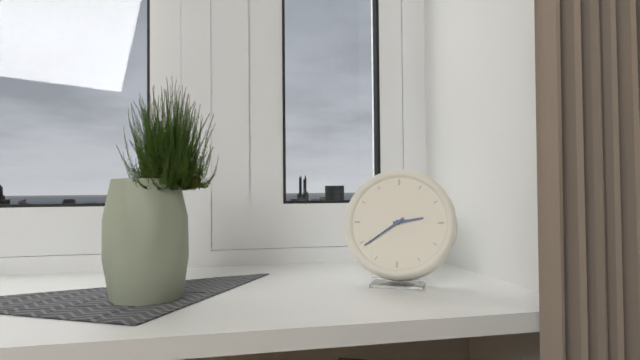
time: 2:39
